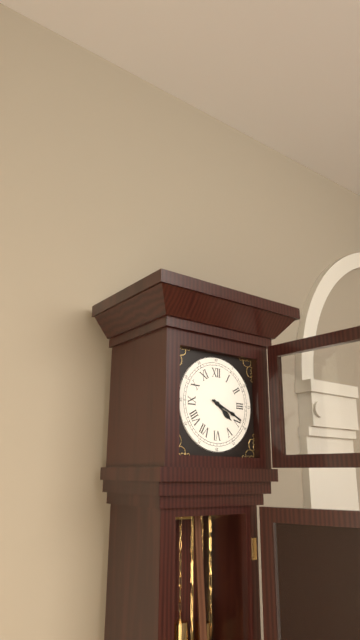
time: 4:19
